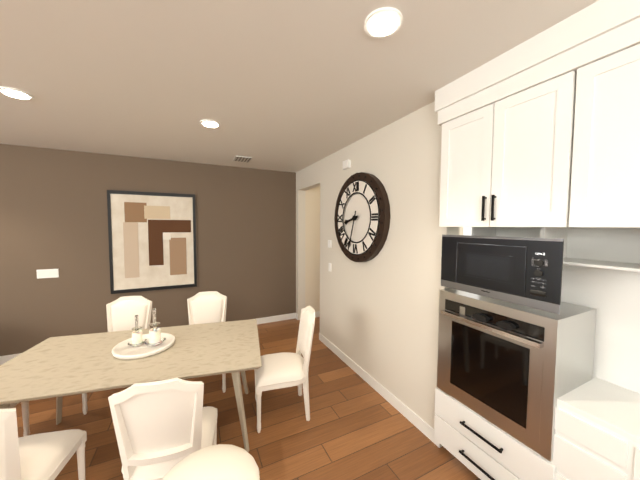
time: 8:33
